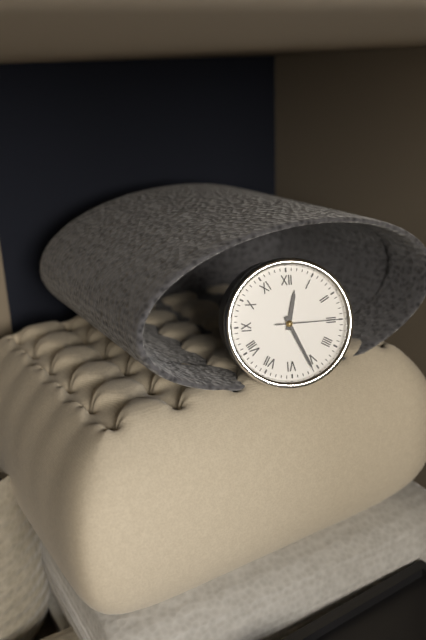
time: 12:26:15
